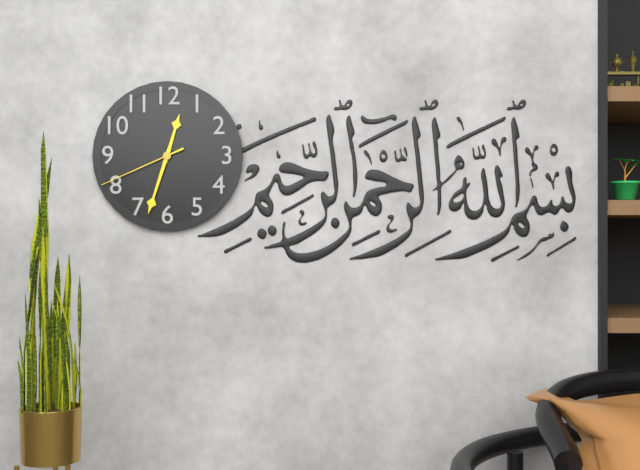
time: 12:33:41
